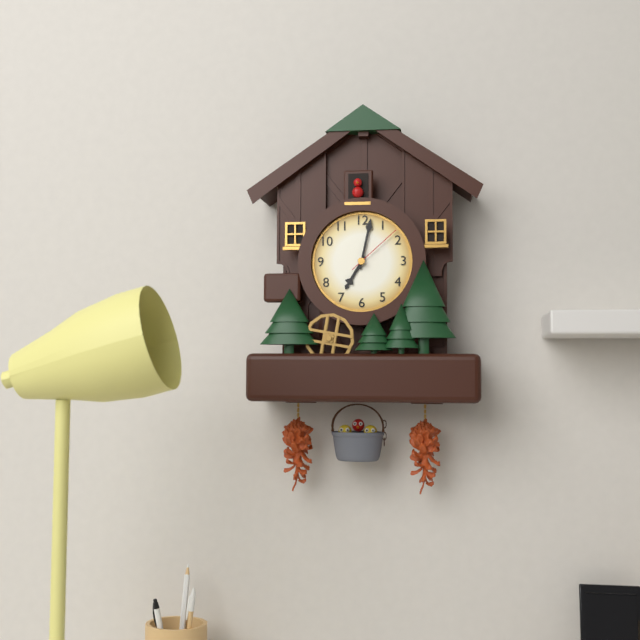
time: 7:02:08
